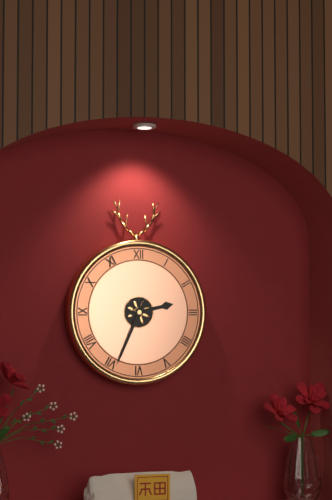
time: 2:34
